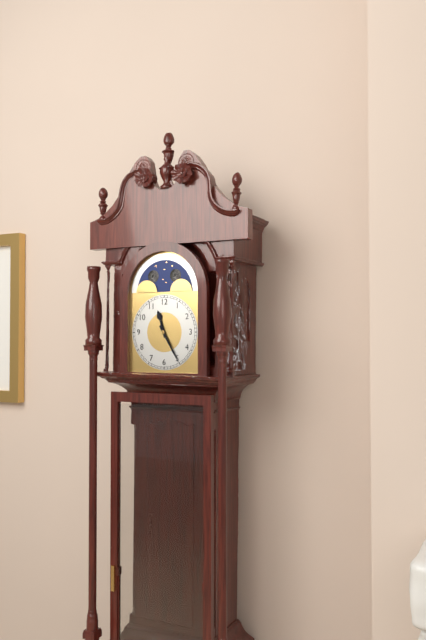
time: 11:25
